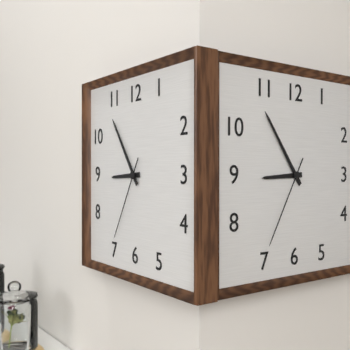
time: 8:54:35
